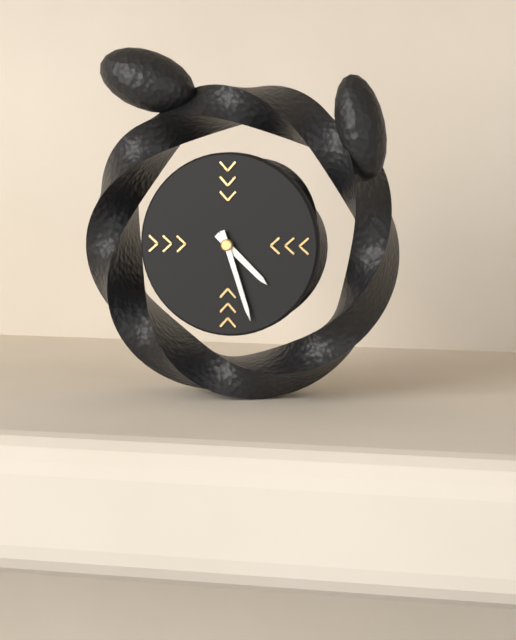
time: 4:27
